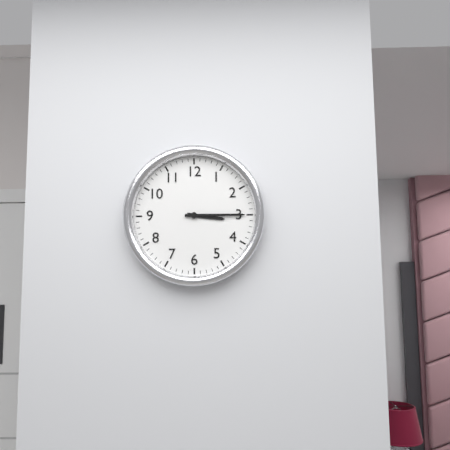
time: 3:15
